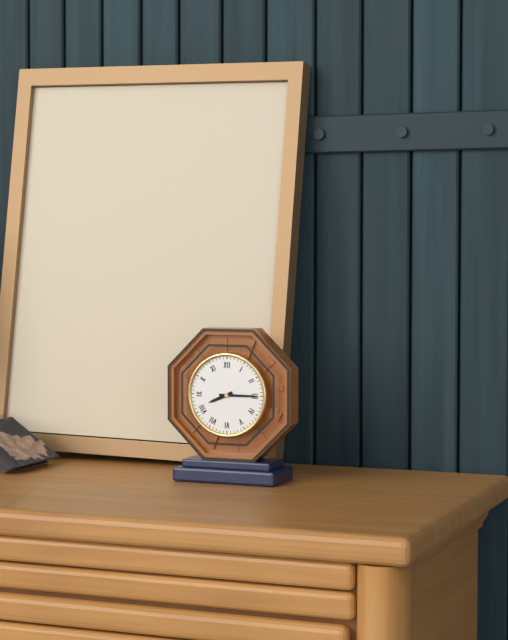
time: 8:15
